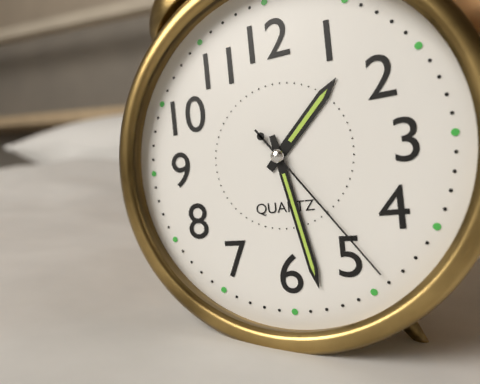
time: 1:28:24
